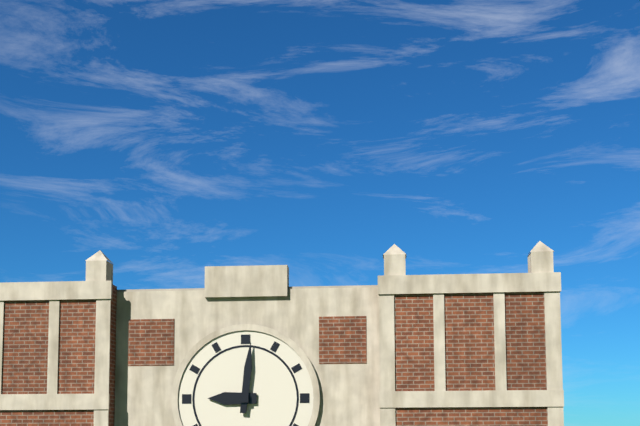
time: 9:01
